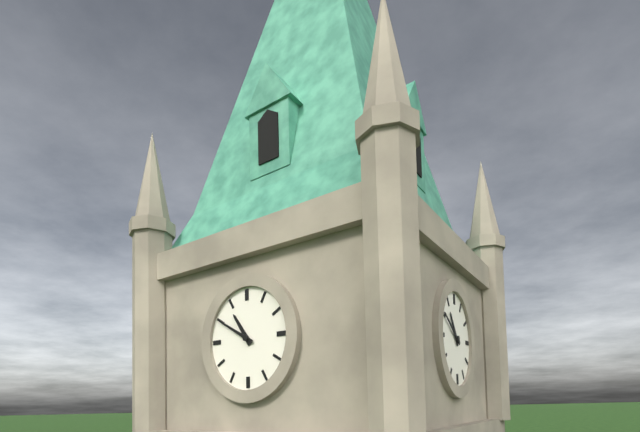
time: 10:50
